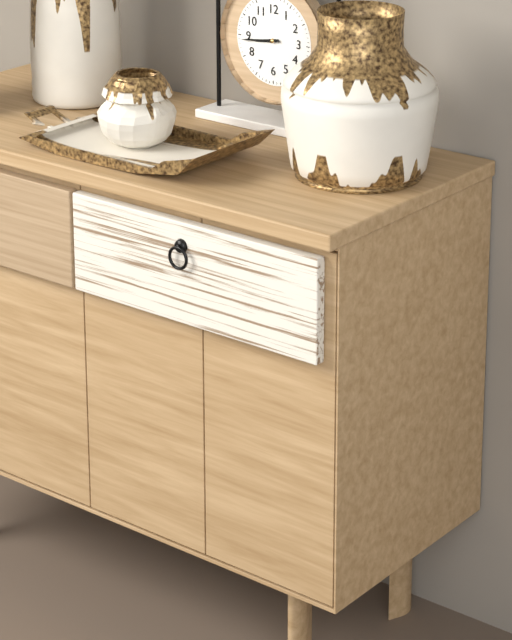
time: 8:44
